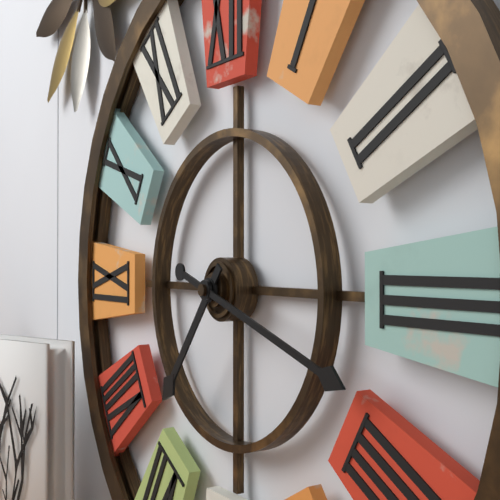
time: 7:18
